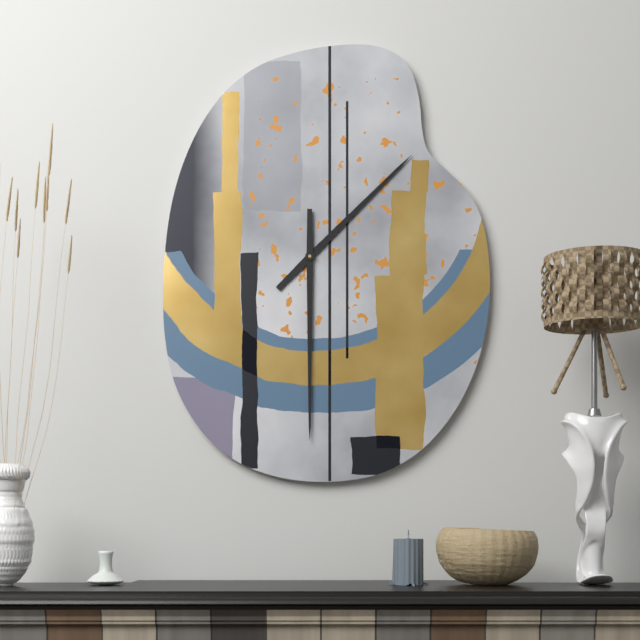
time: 1:30
